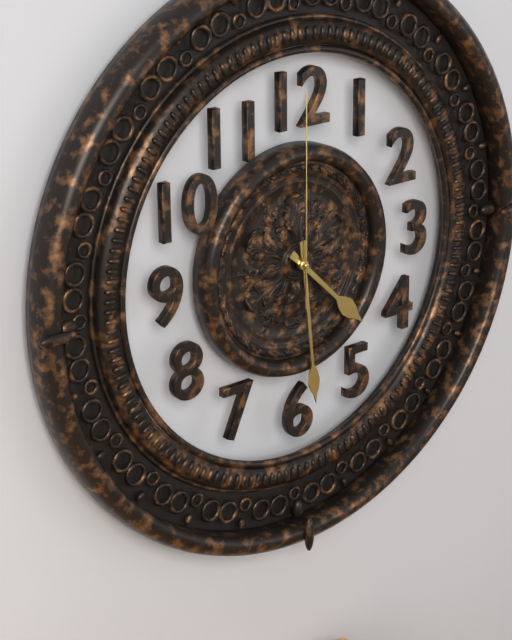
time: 4:29:00
